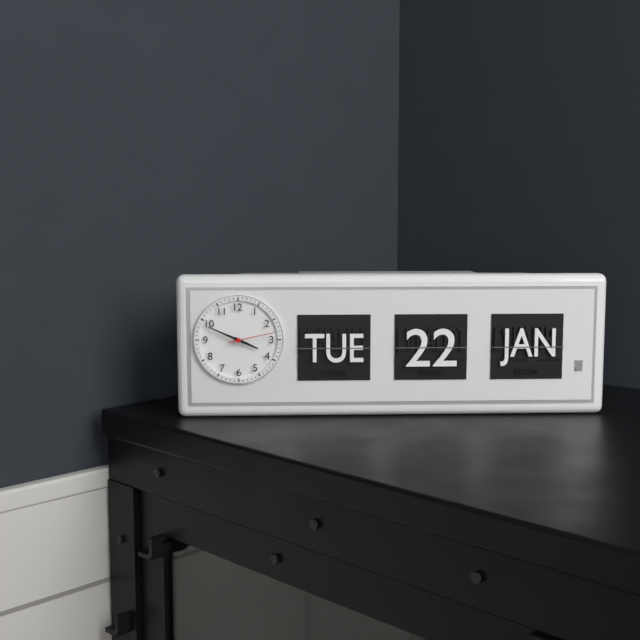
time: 3:49
